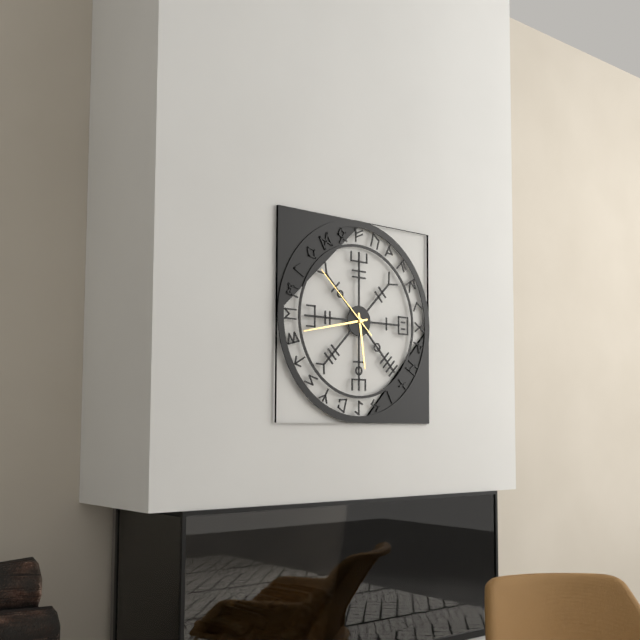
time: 5:43:52
